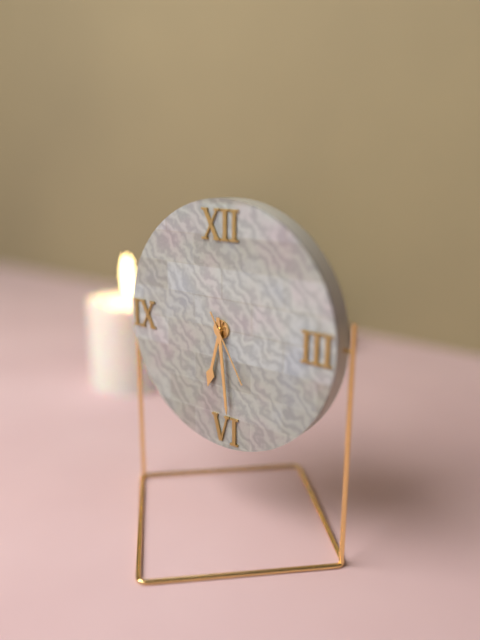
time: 6:29:25
